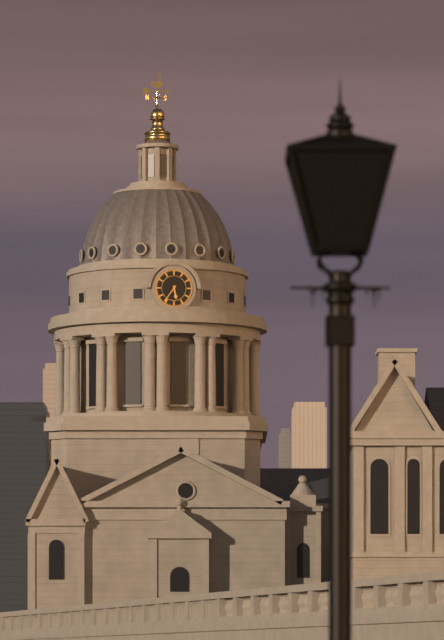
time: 5:36
